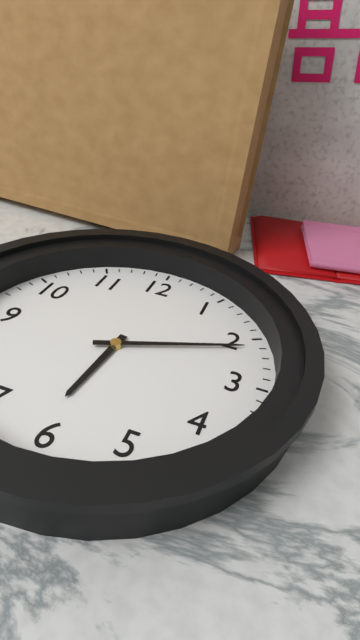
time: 6:11
